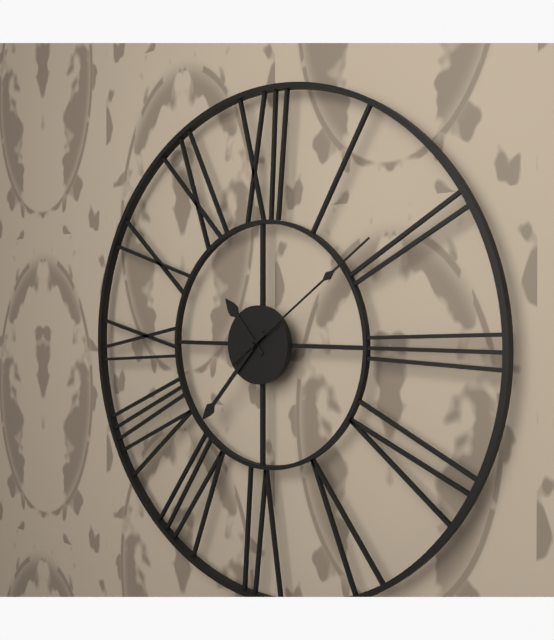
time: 10:37:09
